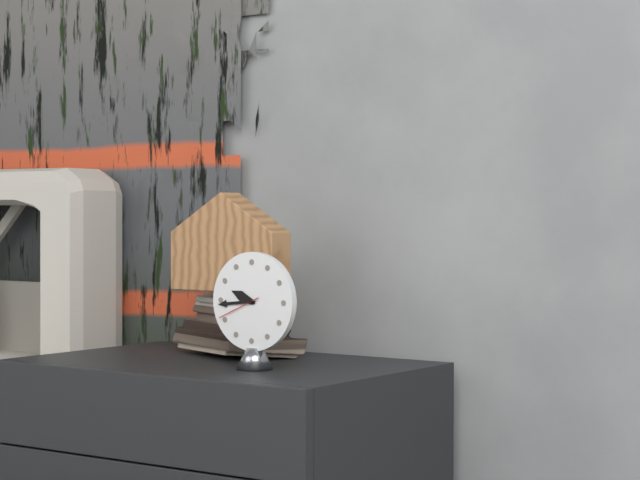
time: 9:44
